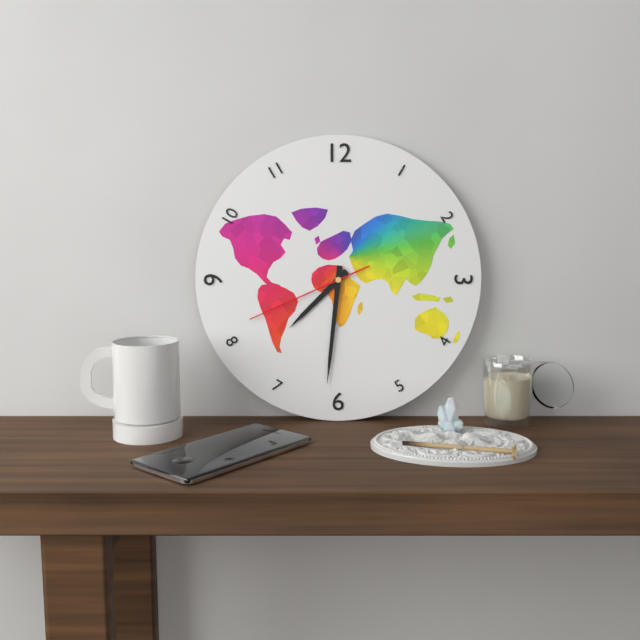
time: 7:31:41
